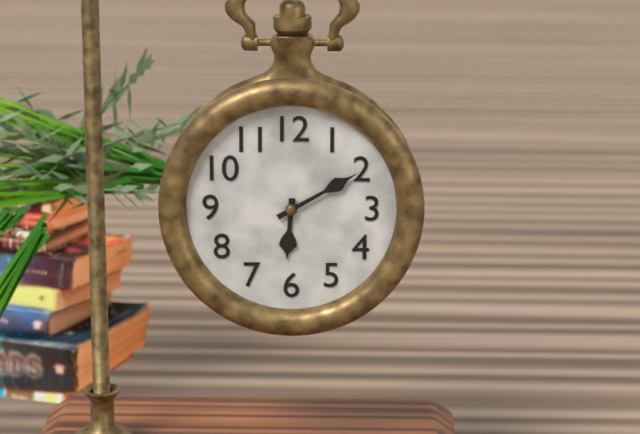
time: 6:10
